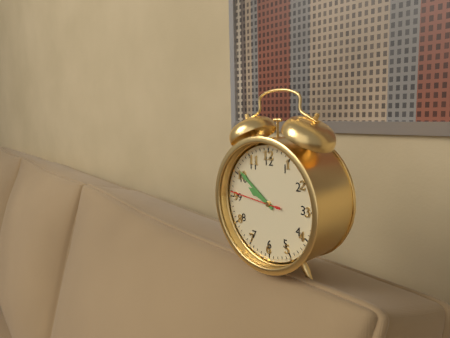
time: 9:51:46
